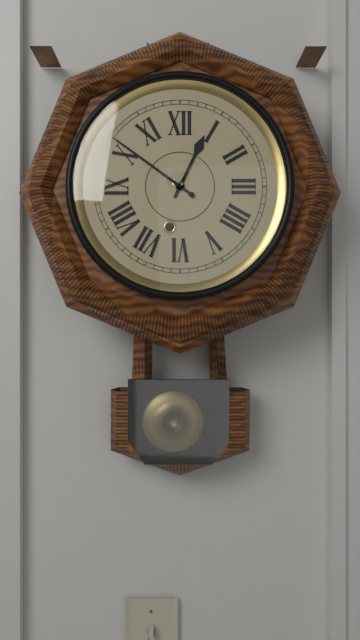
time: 12:51
